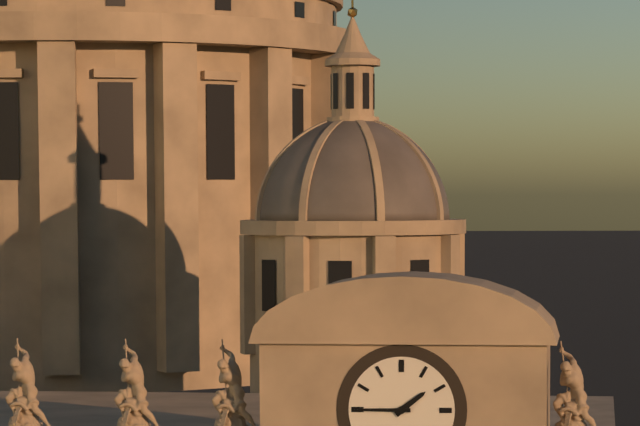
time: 1:45
